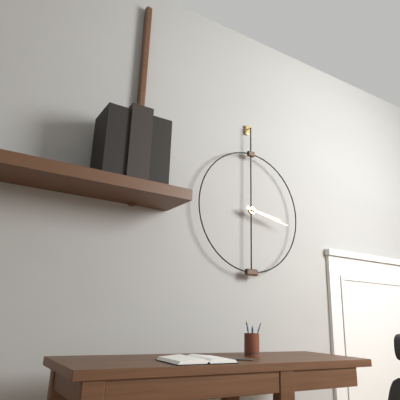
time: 3:17
